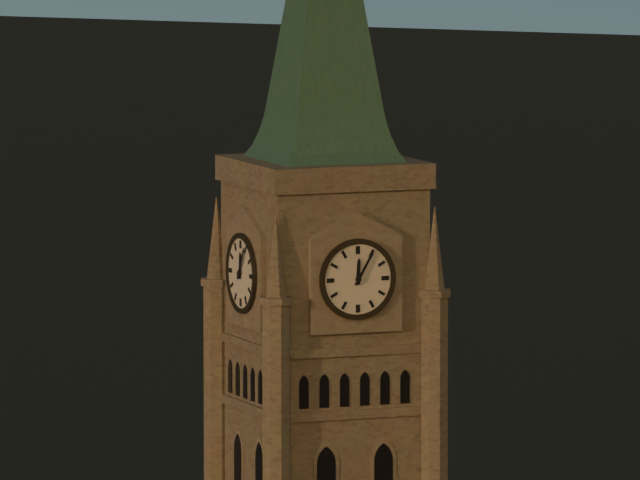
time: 12:05
